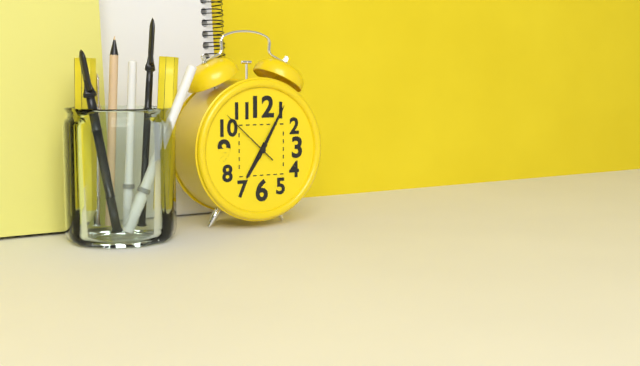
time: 7:05:52
